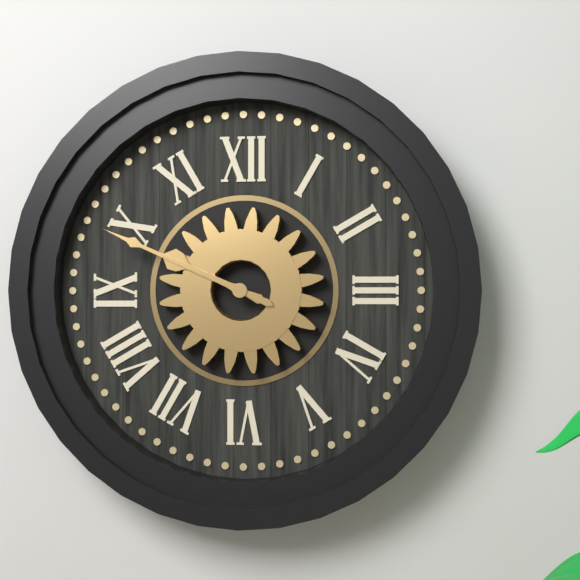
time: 9:49
